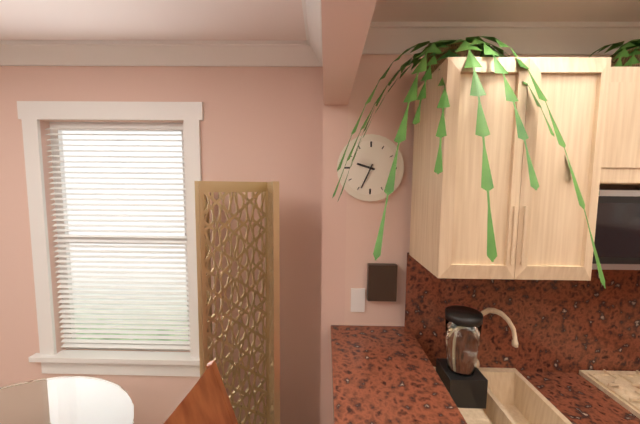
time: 9:34
